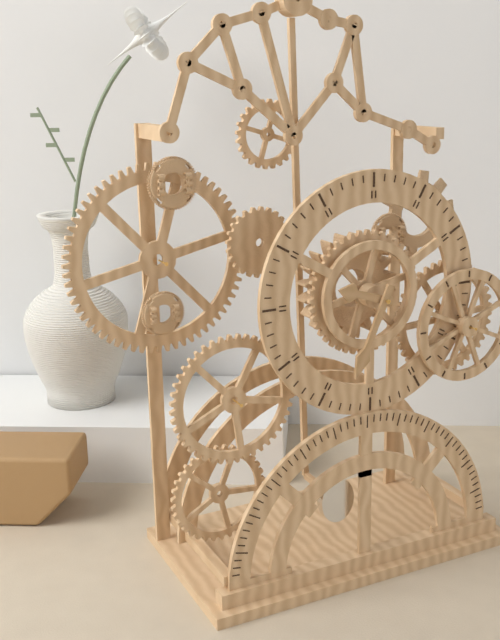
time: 9:34
